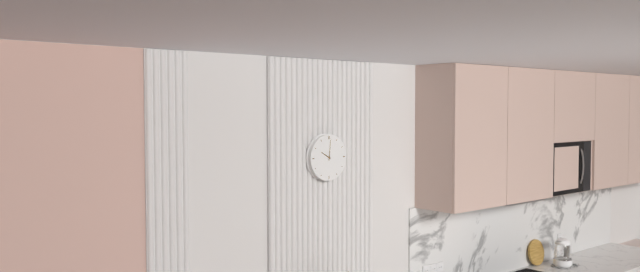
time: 10:01
